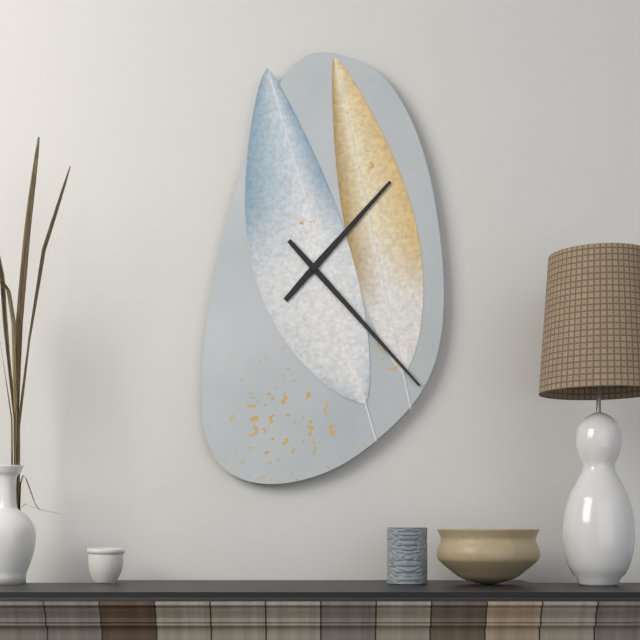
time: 1:23
